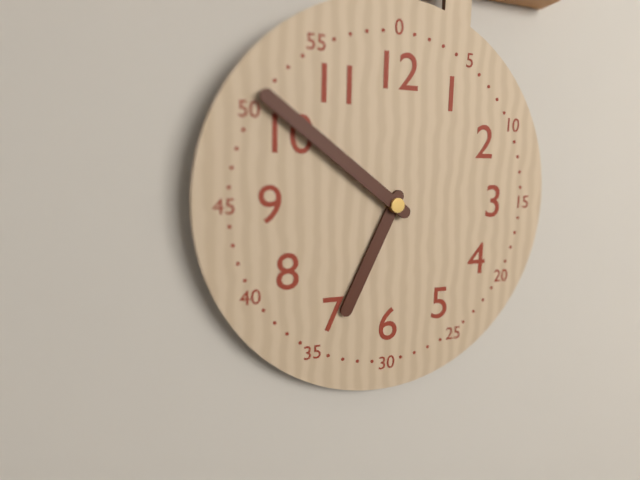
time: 6:51
